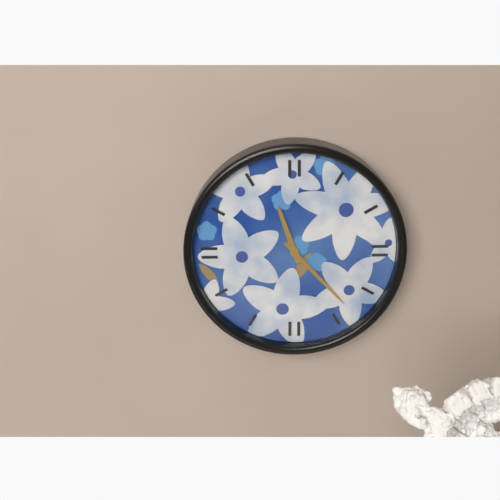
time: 11:23
